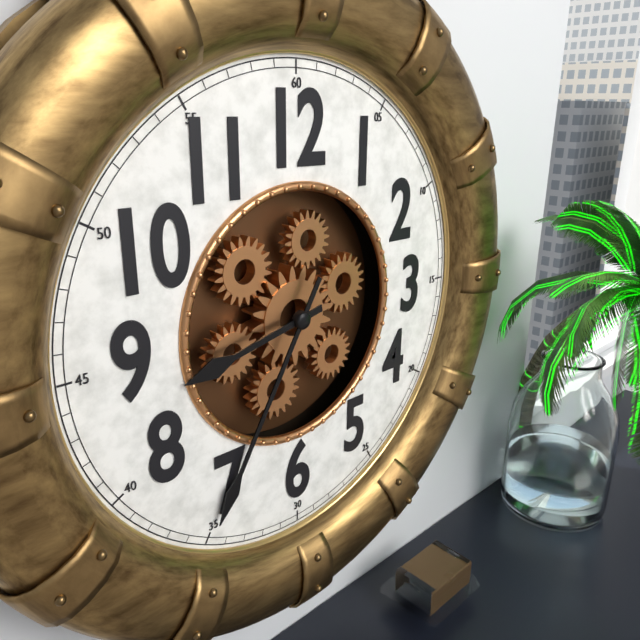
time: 8:35
